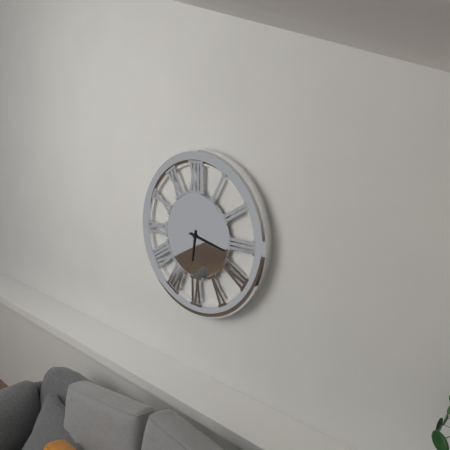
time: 6:17
